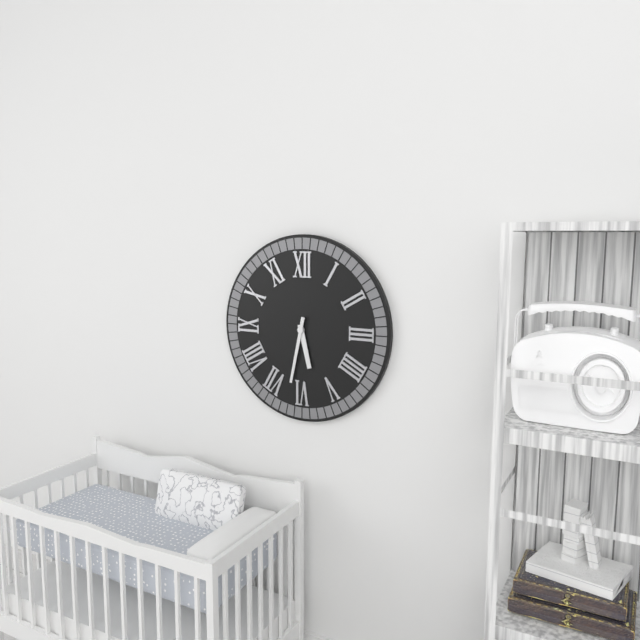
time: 5:32
